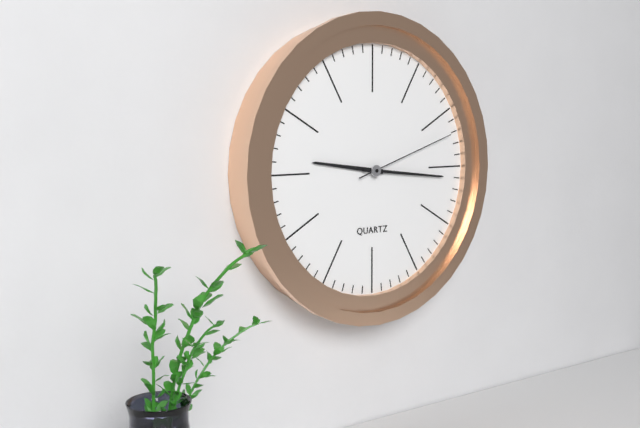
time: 9:16:12
